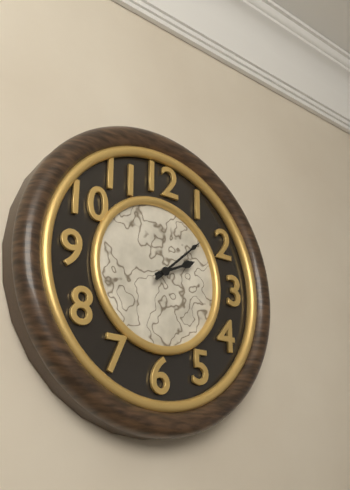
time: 2:08
